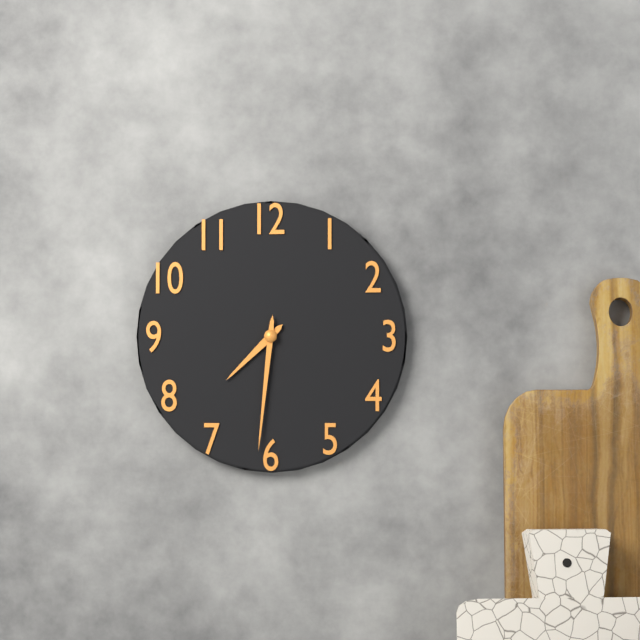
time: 7:31
